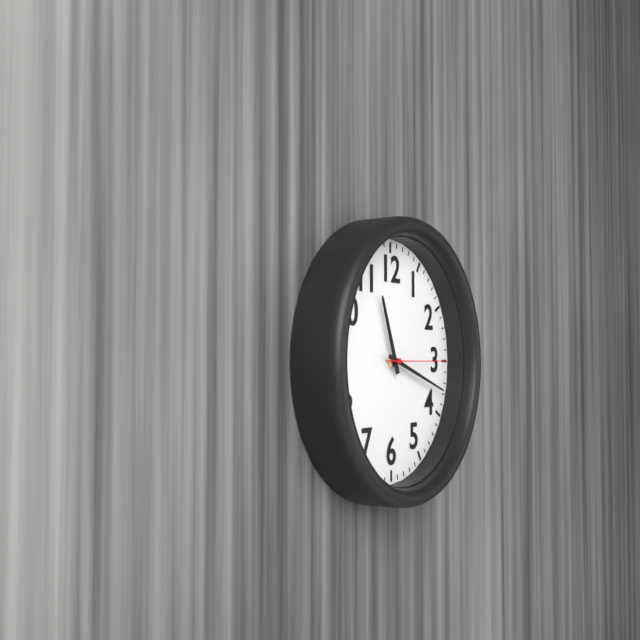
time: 11:18:15
